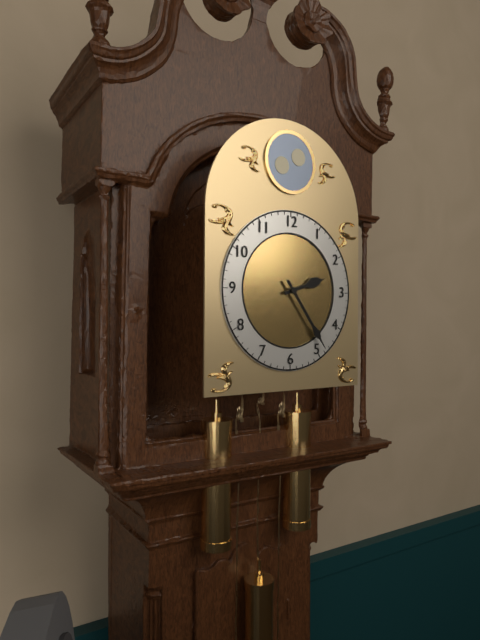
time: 2:24
